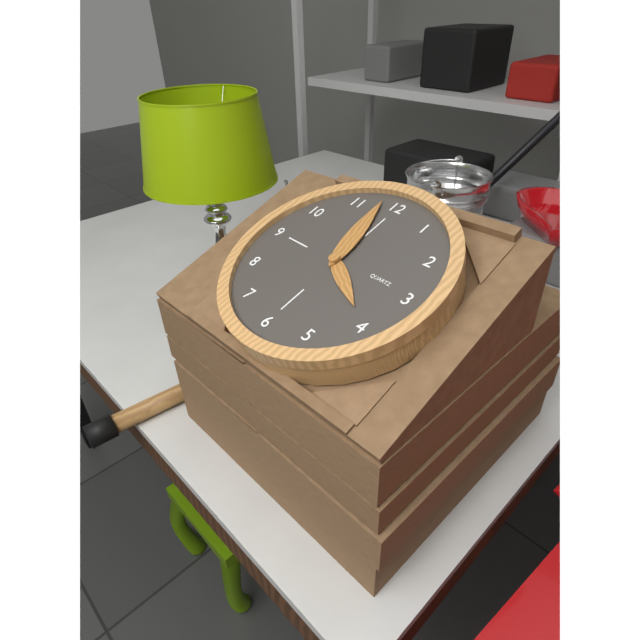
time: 3:58
